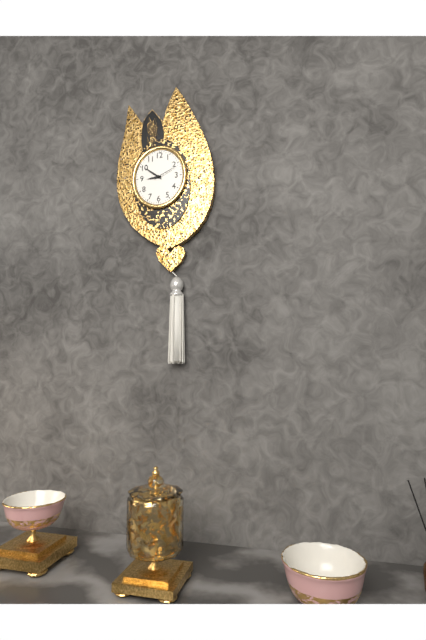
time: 8:51
